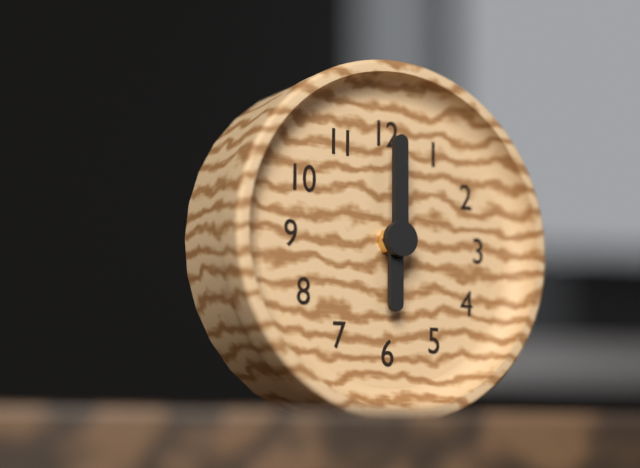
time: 6:00
